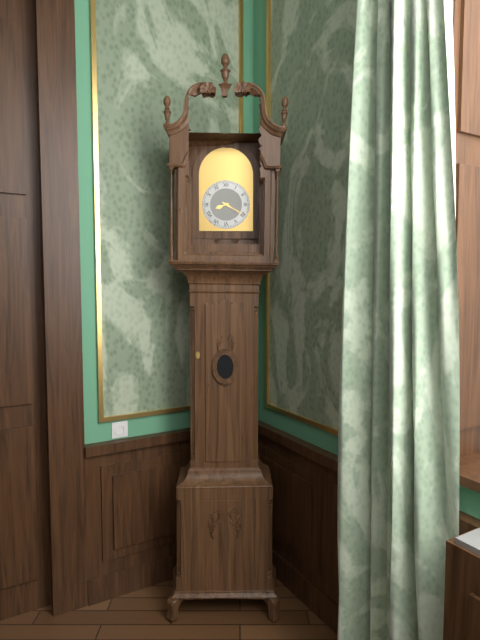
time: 8:20
